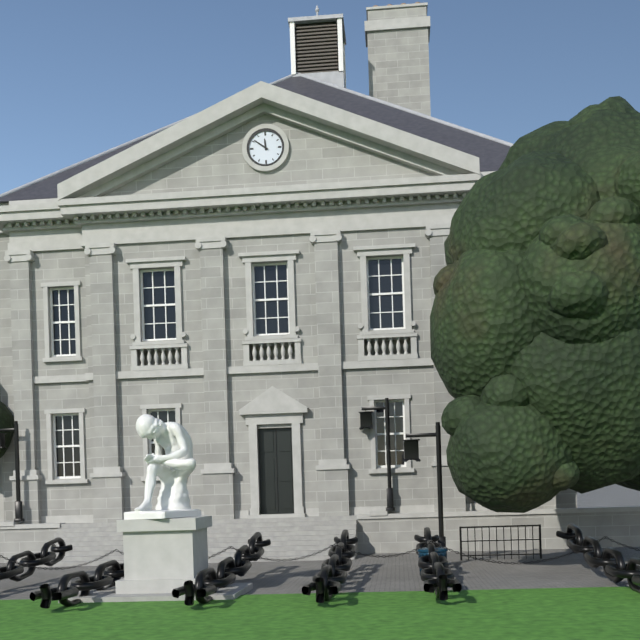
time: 11:51
